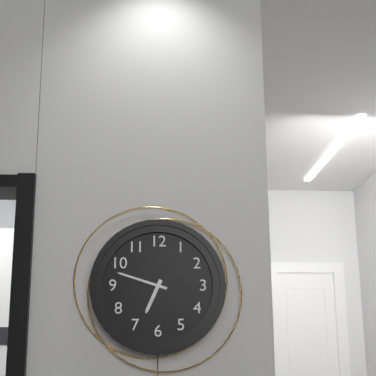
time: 6:48
